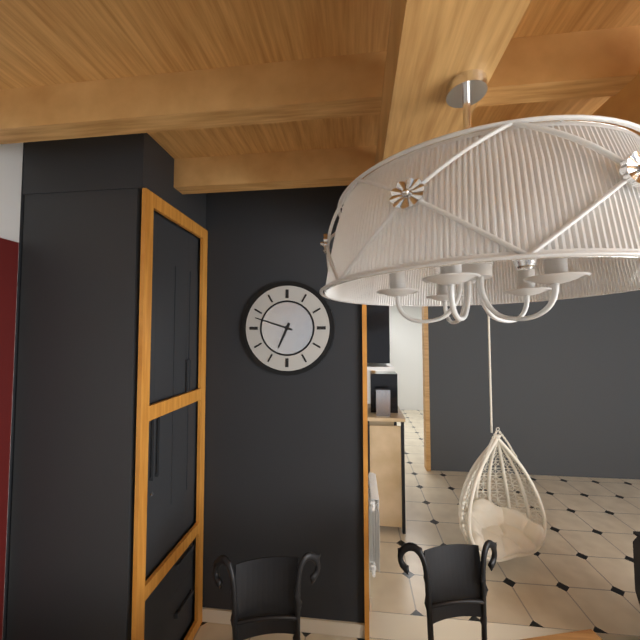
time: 6:48
